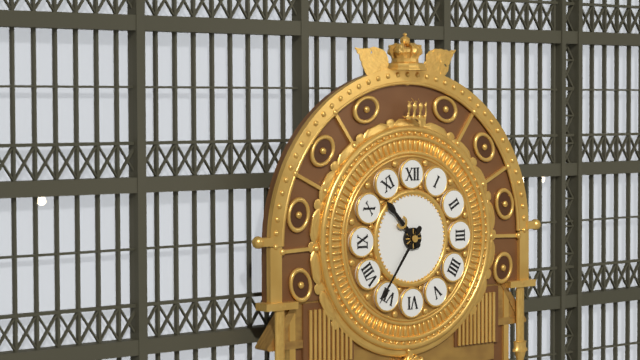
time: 10:36
